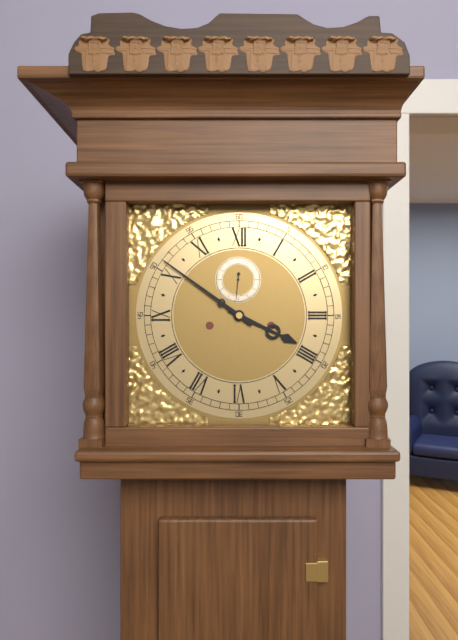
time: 3:51
